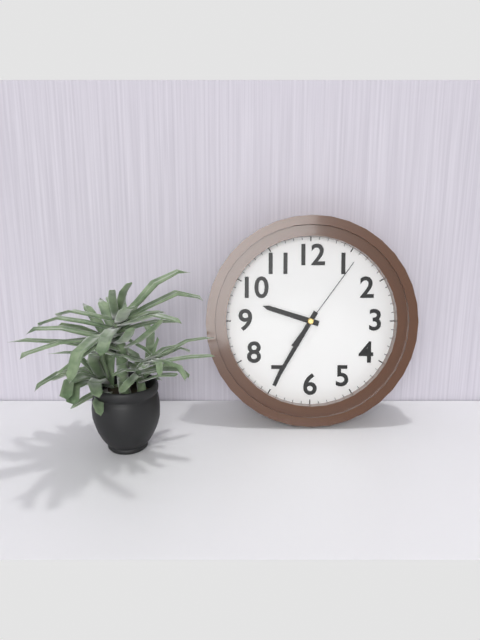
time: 9:35:06
